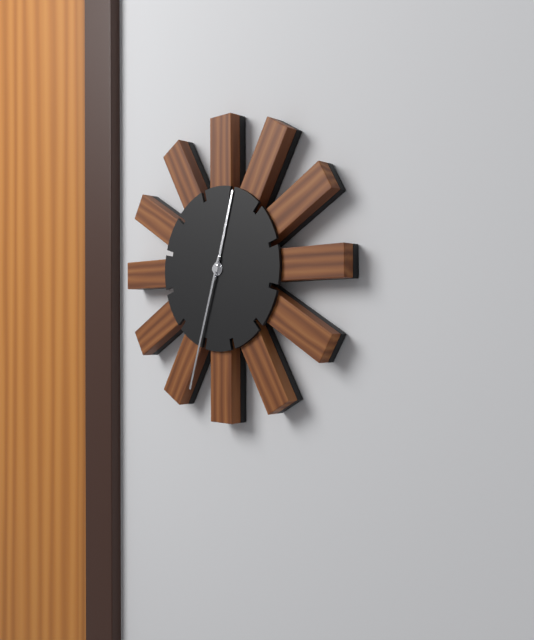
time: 12:33
